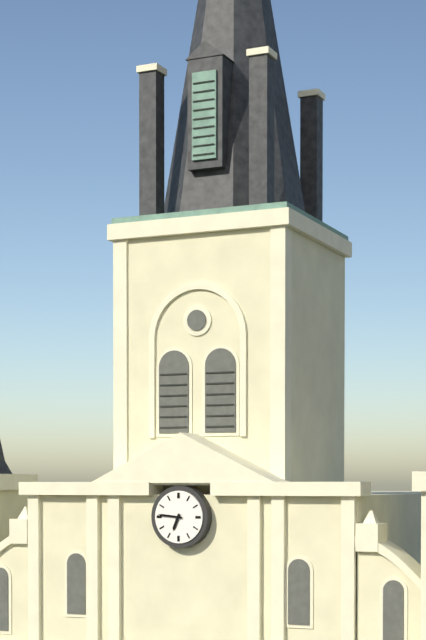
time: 6:46
